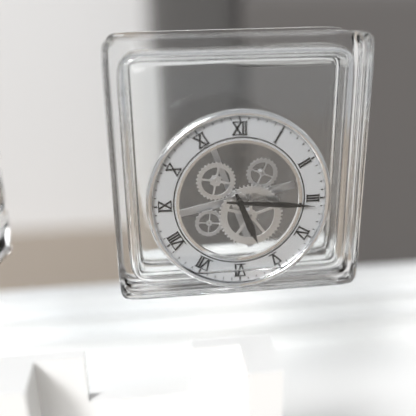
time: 5:16
